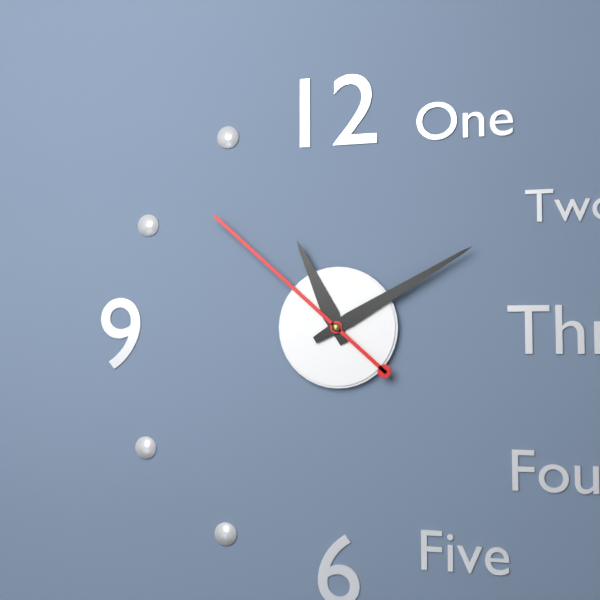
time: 11:10:52
